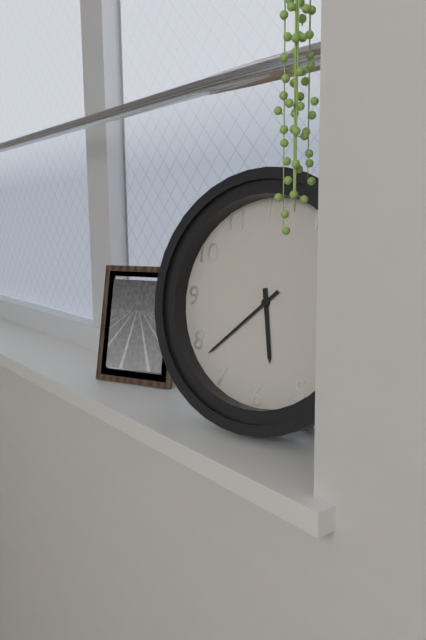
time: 5:38
